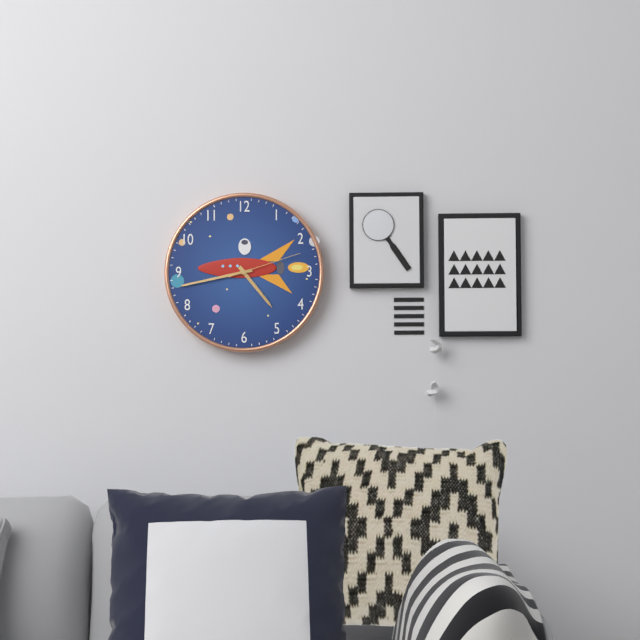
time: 4:43:12
